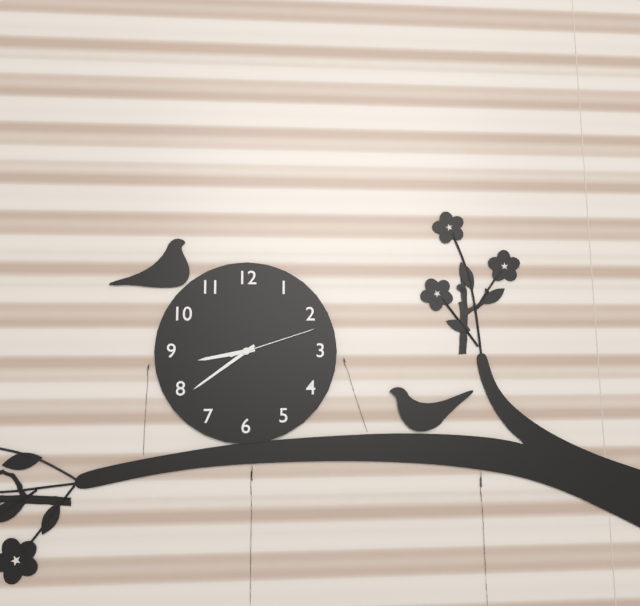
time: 8:39:12
